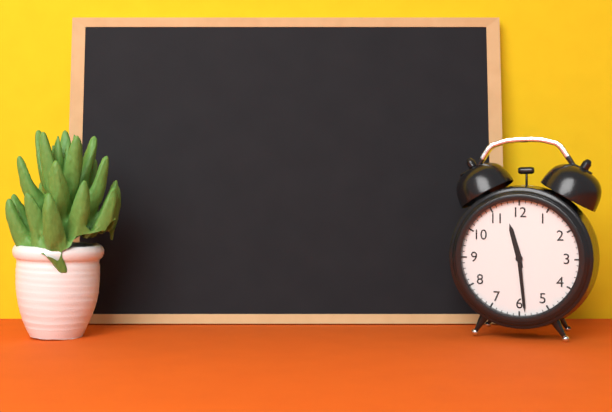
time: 11:29
